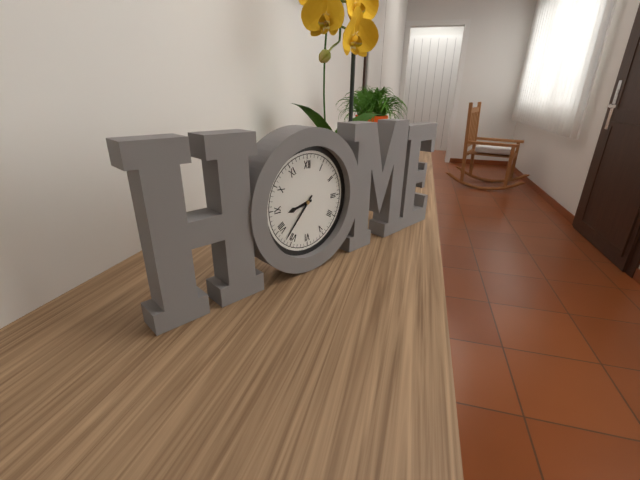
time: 8:37
